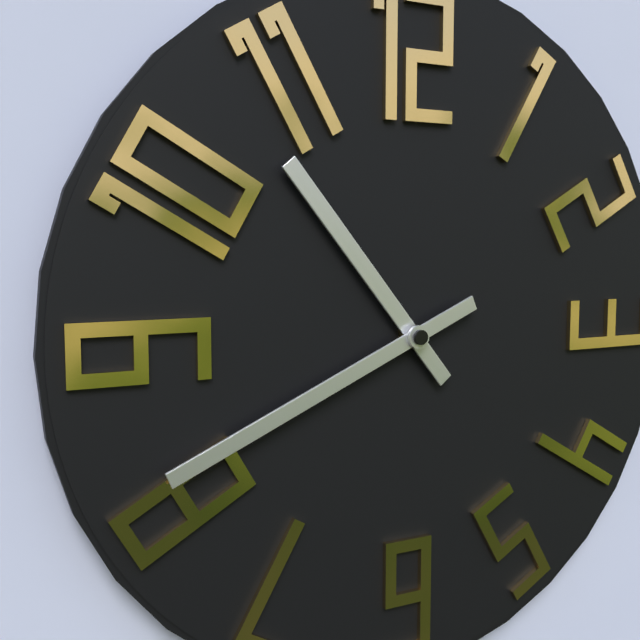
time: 10:41
